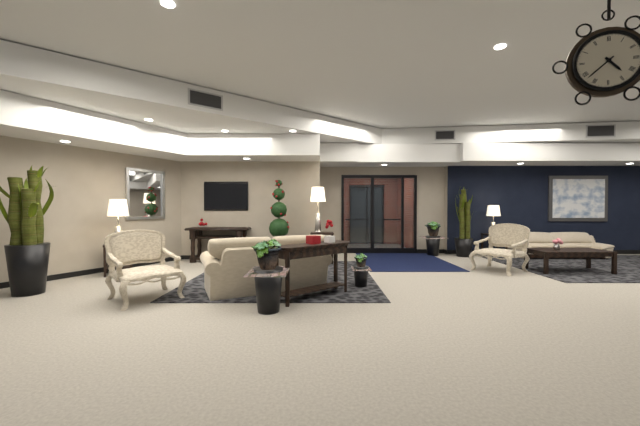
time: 4:38
